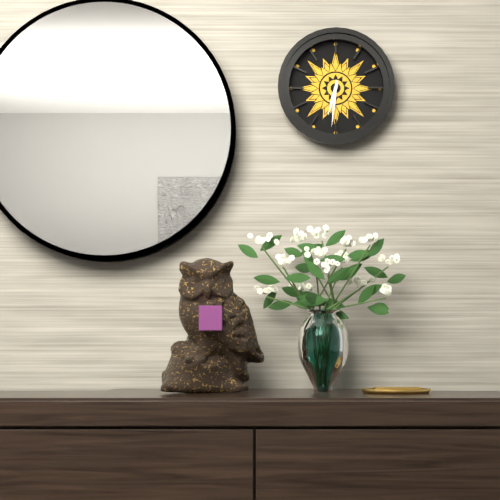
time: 6:31
